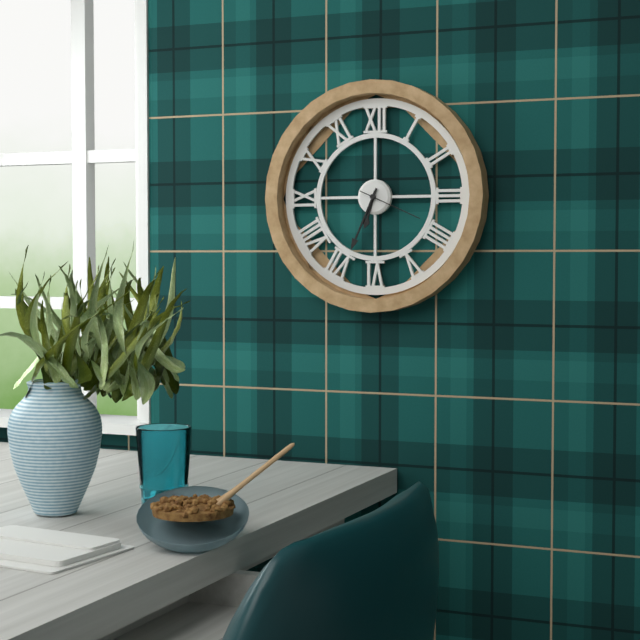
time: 6:34:19
